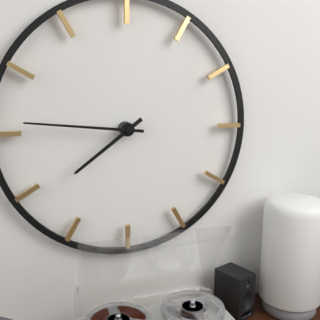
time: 7:46
